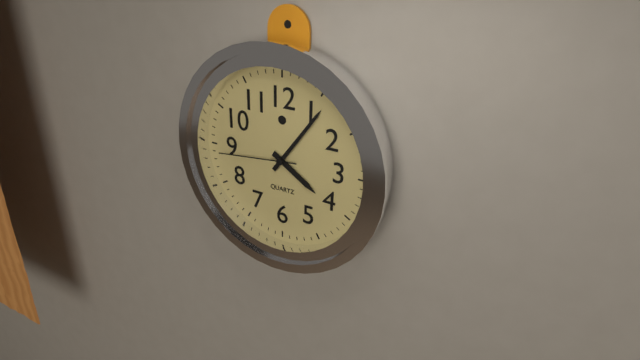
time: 4:06:44
